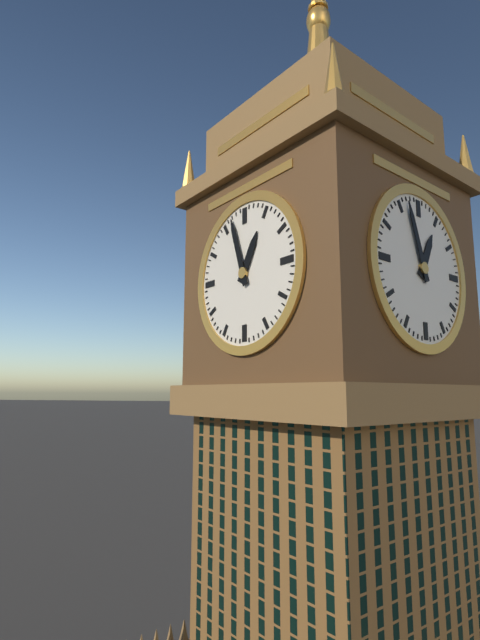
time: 12:57
